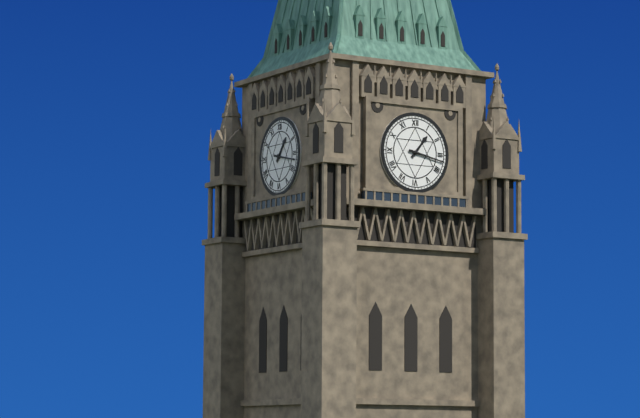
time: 1:17
